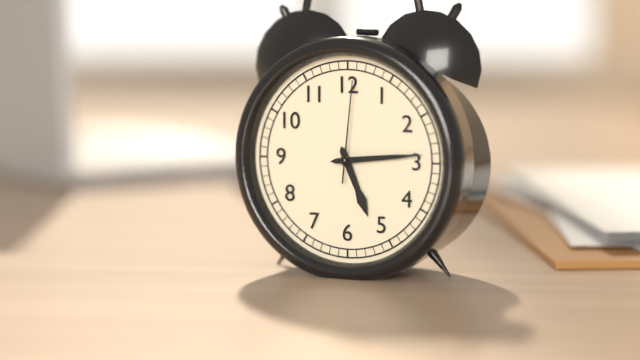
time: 5:14:01
